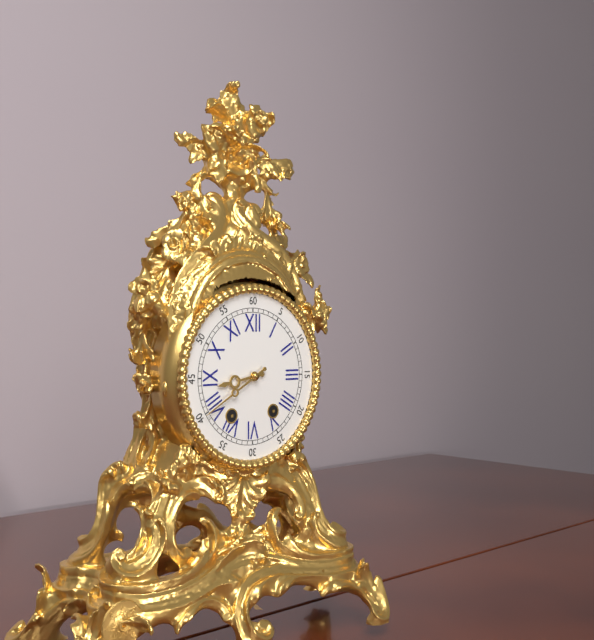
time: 8:40
